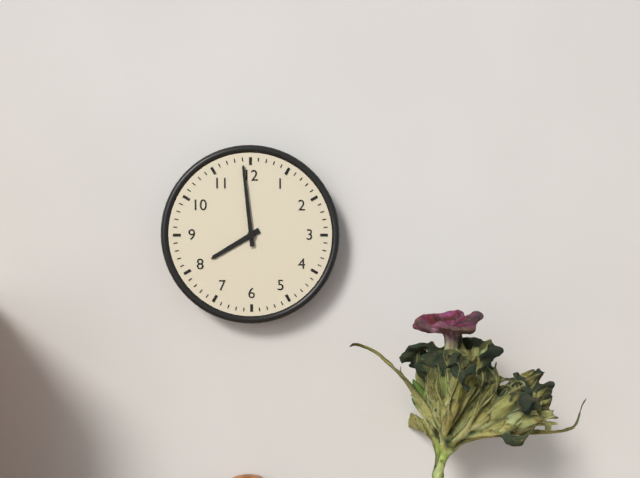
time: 7:59
